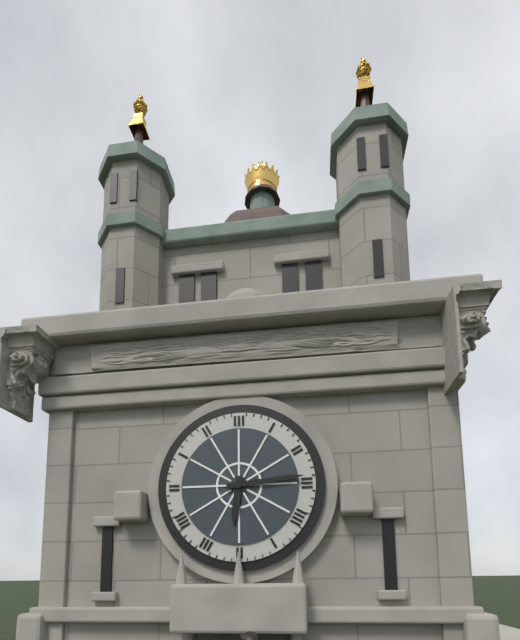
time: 6:14
